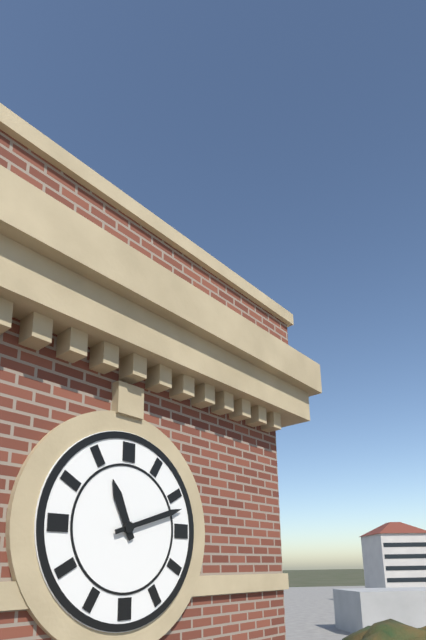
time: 11:12
